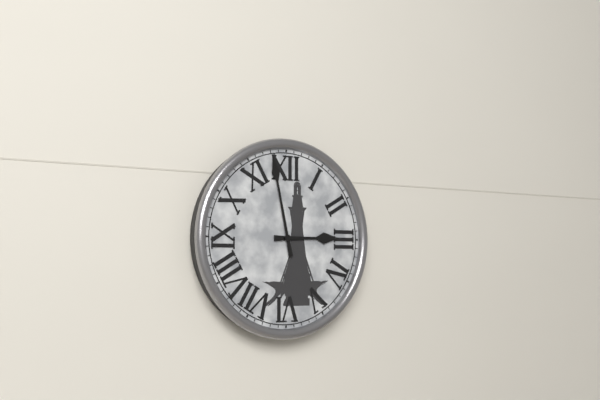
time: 2:58
